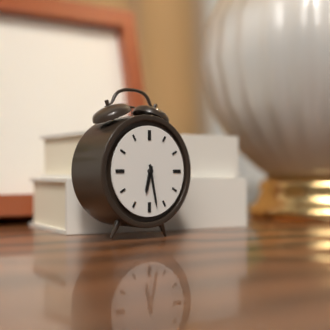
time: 6:28
